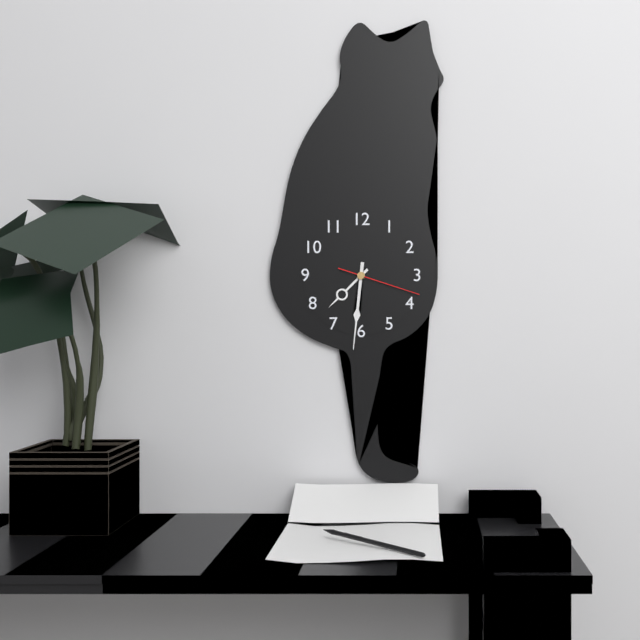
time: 7:31:18
